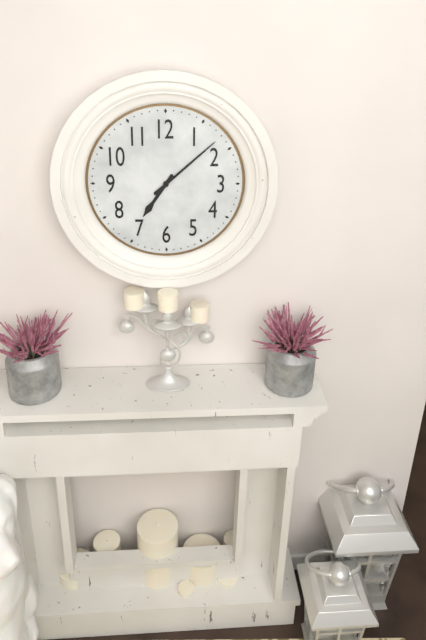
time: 7:08
